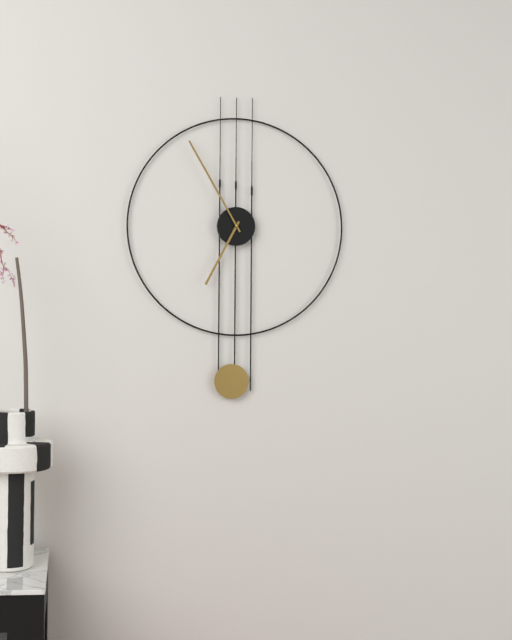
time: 6:55
